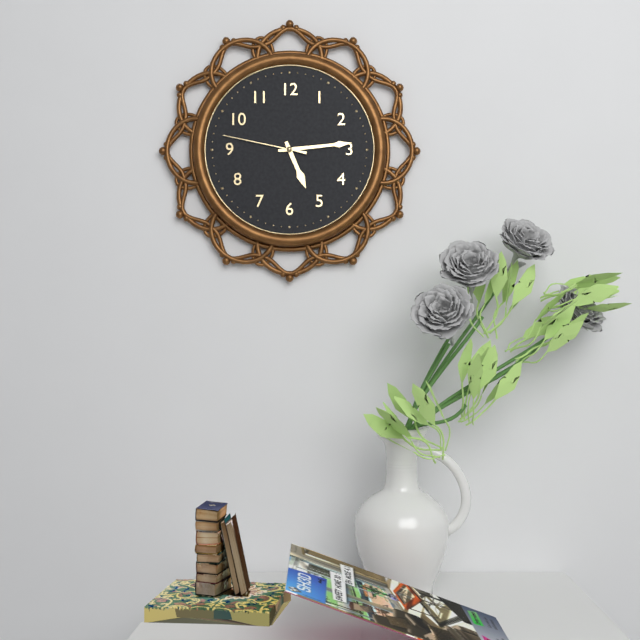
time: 5:14:47
